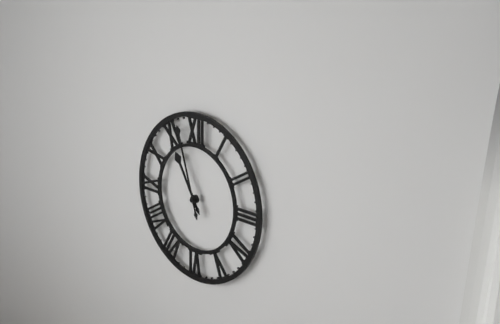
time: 10:57
